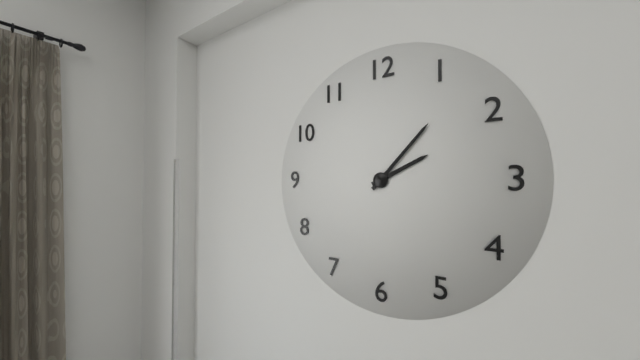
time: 2:07
